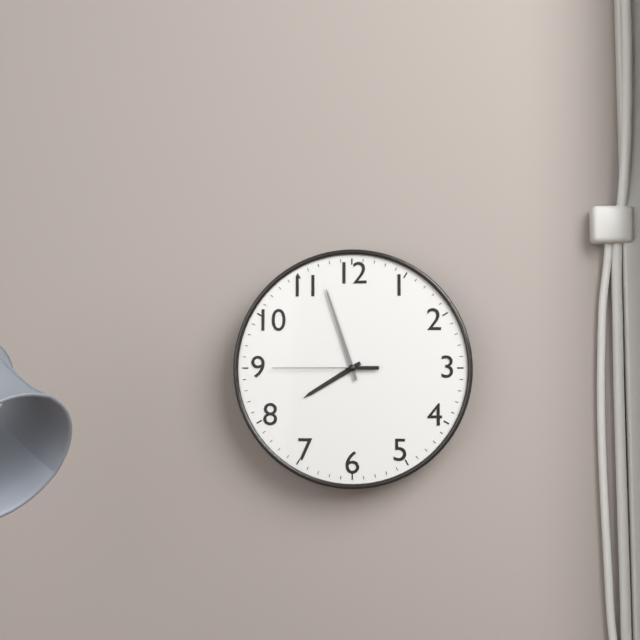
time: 7:57:45
